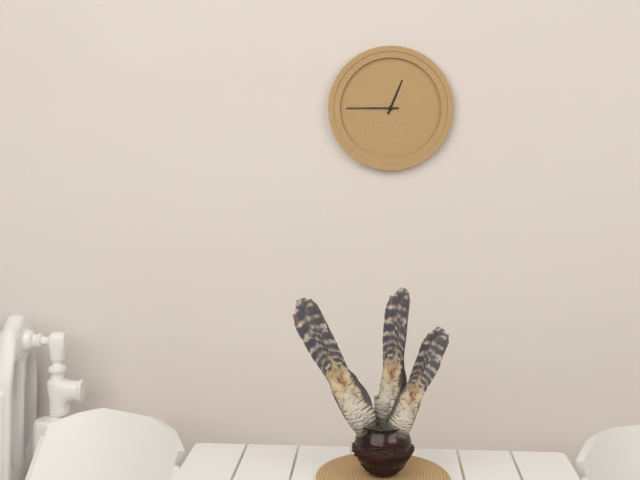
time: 12:45
